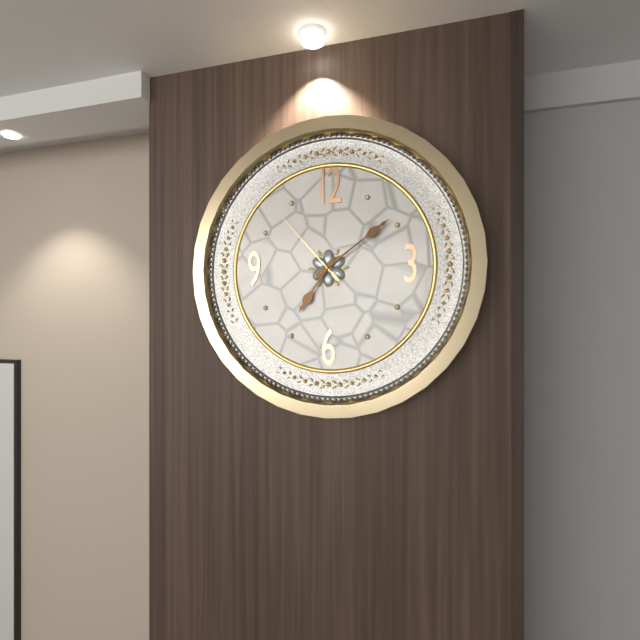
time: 7:09:53
